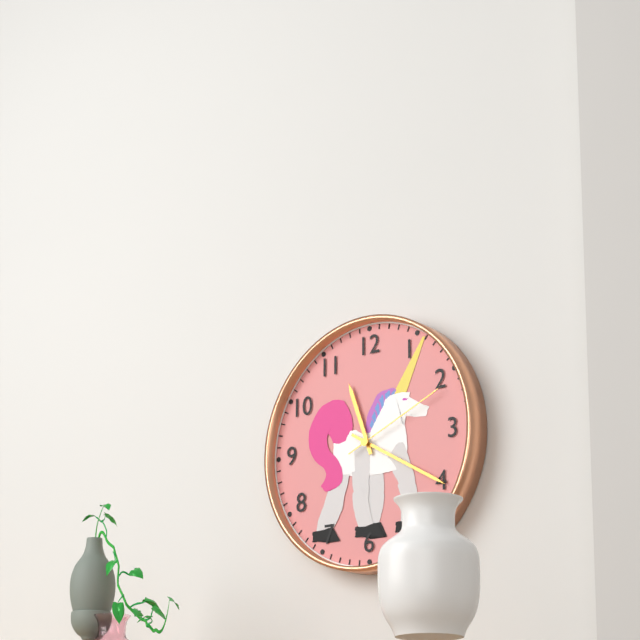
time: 11:20:11
